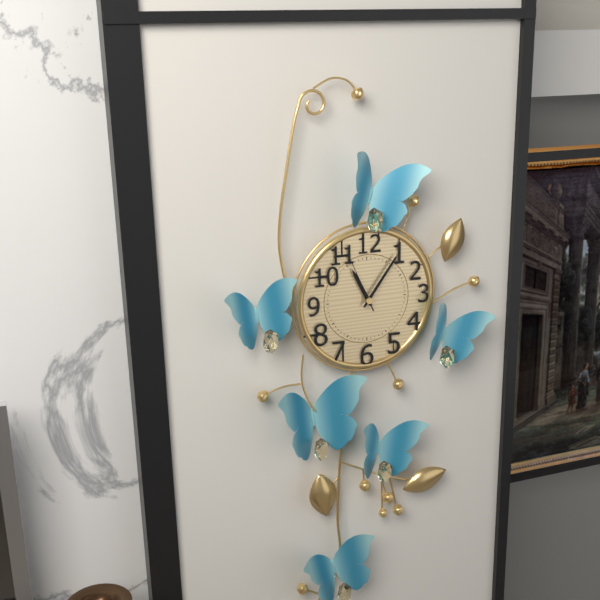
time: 11:06:56
